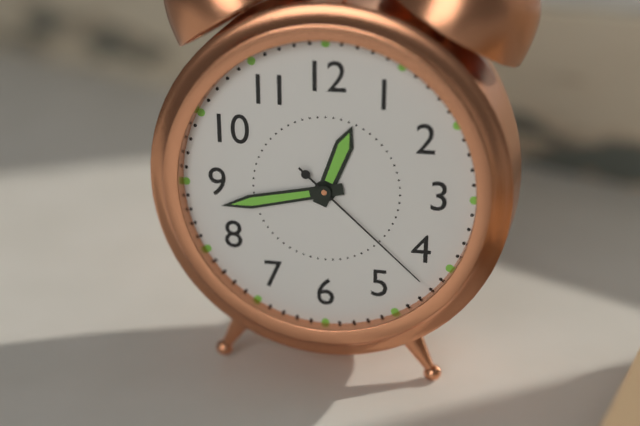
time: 12:43:22
